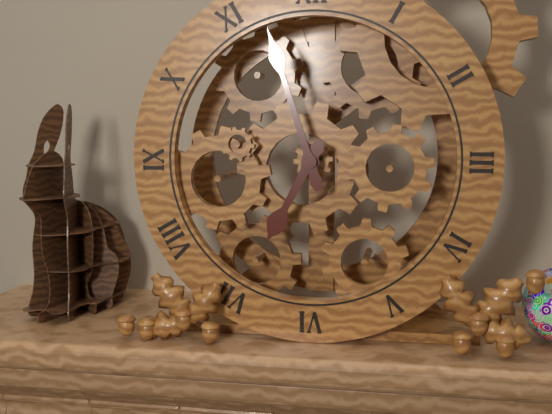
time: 6:57
